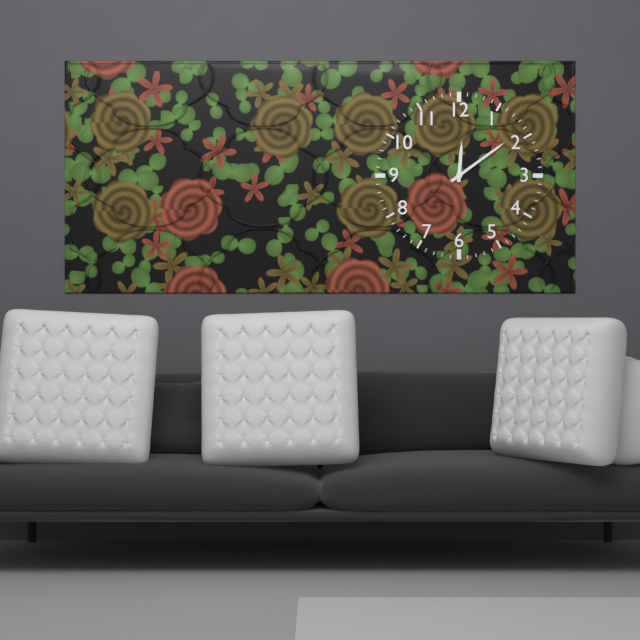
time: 12:09
